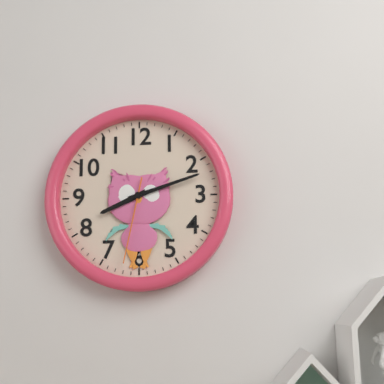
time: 8:12:32
